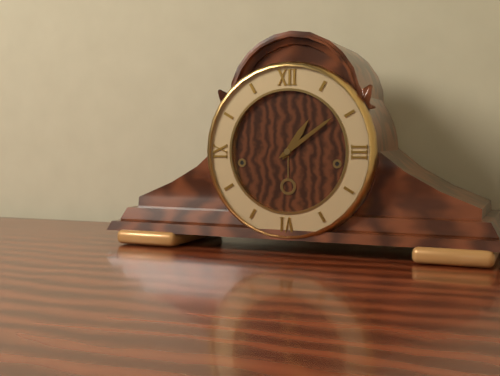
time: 1:09
